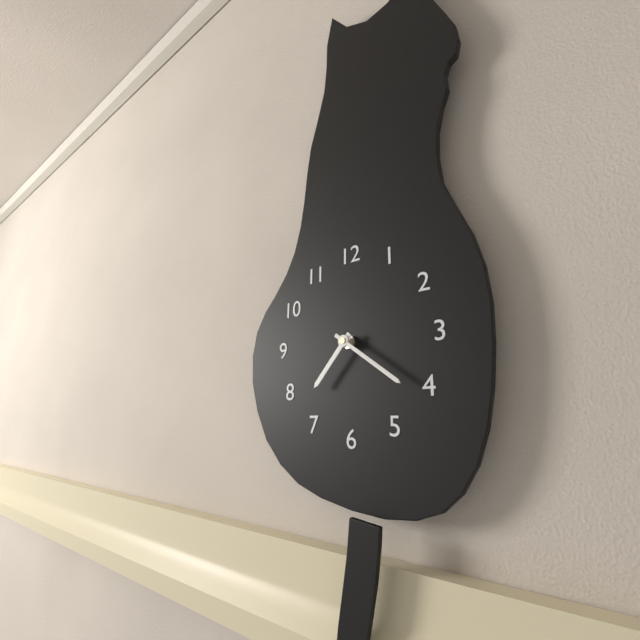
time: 7:21
